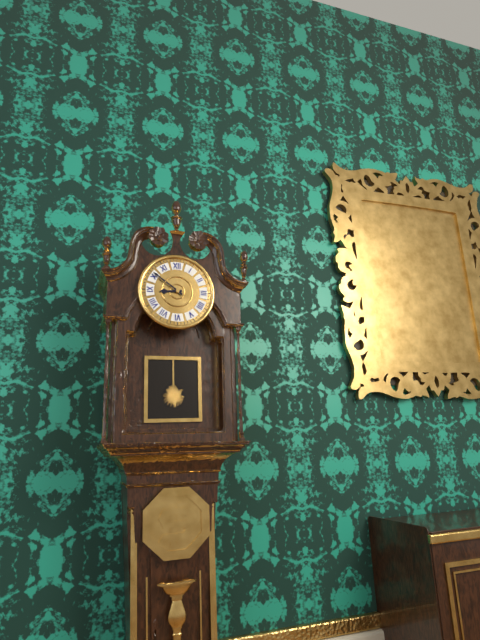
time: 8:51
